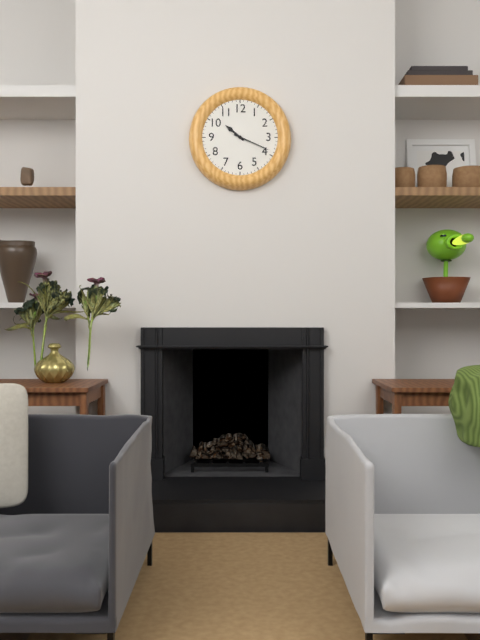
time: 10:19
